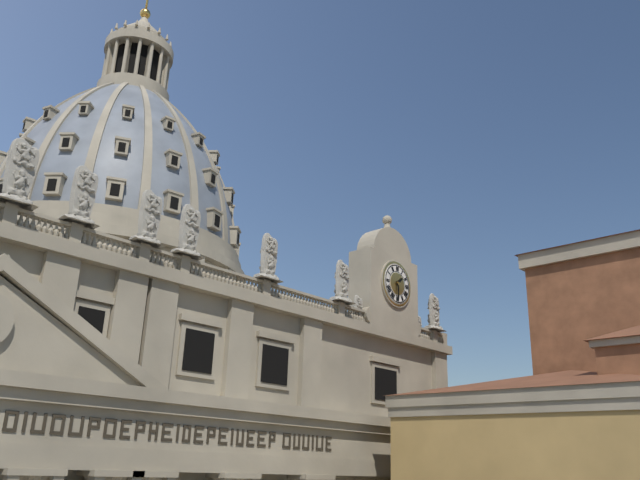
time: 1:30
